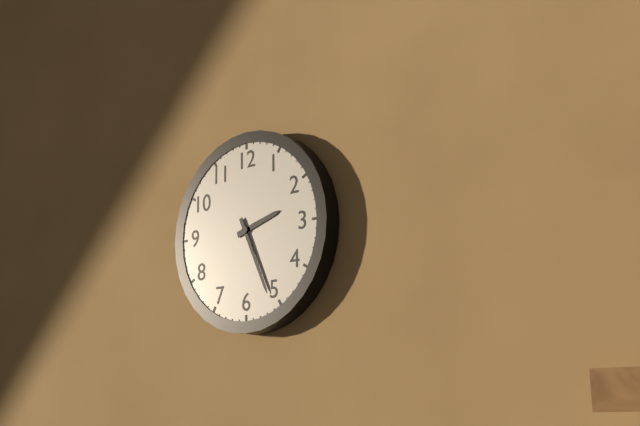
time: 2:26
